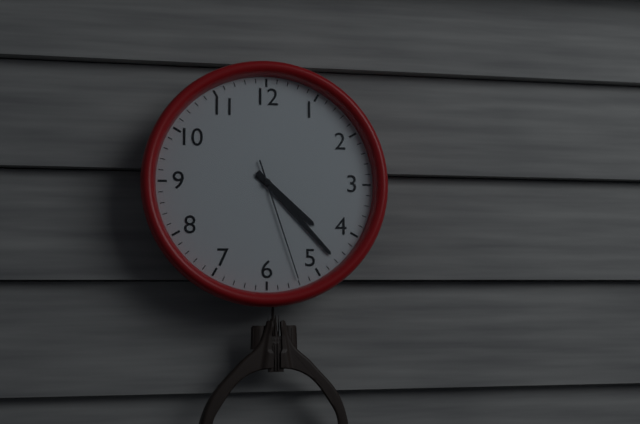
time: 4:23:27
